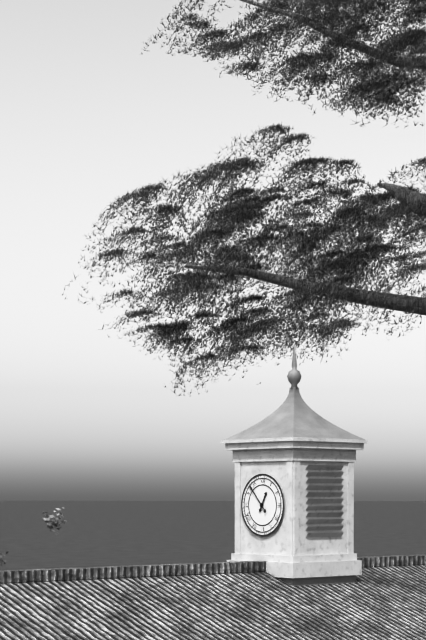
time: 12:53
